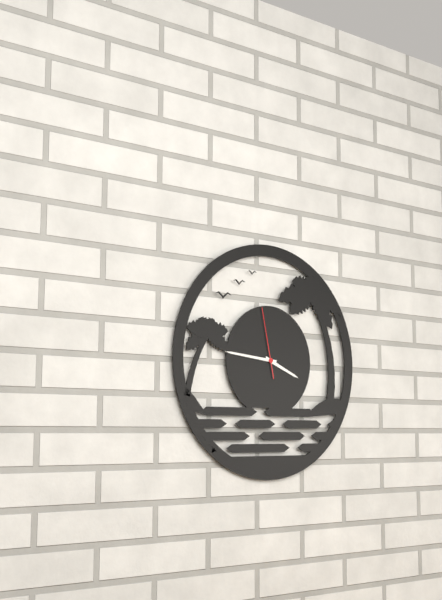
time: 3:46:58
